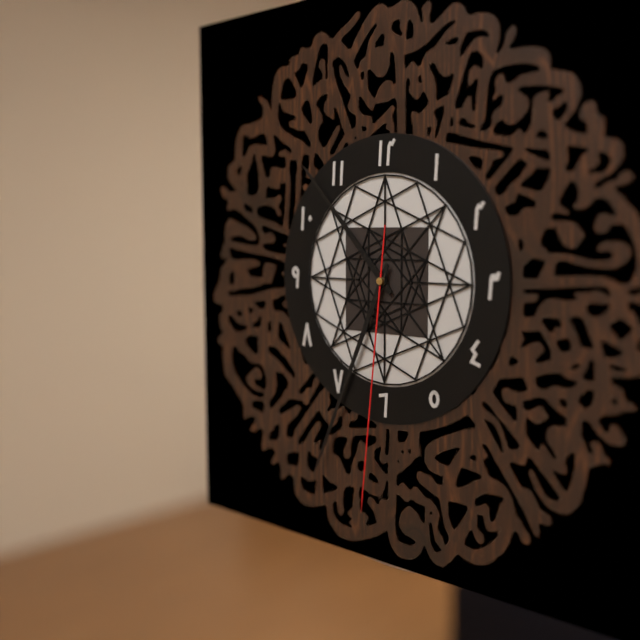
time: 10:34:31
